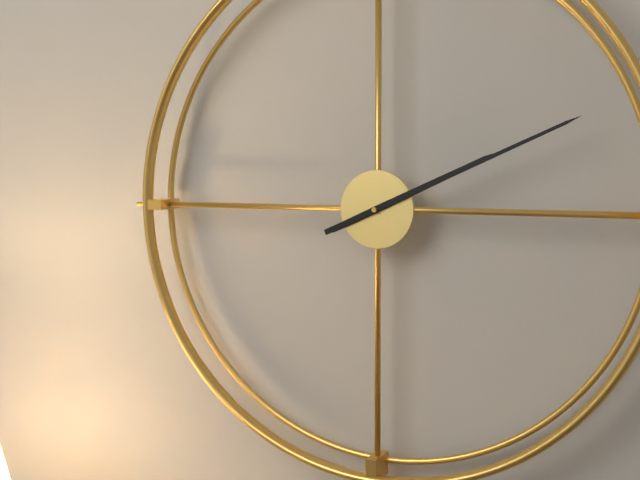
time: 2:11
